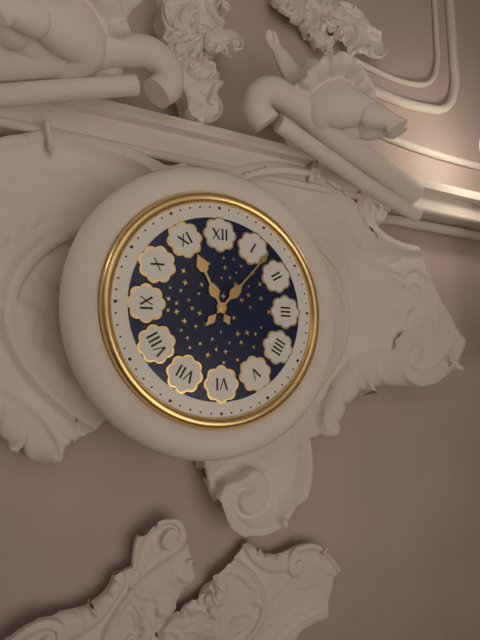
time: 11:07
